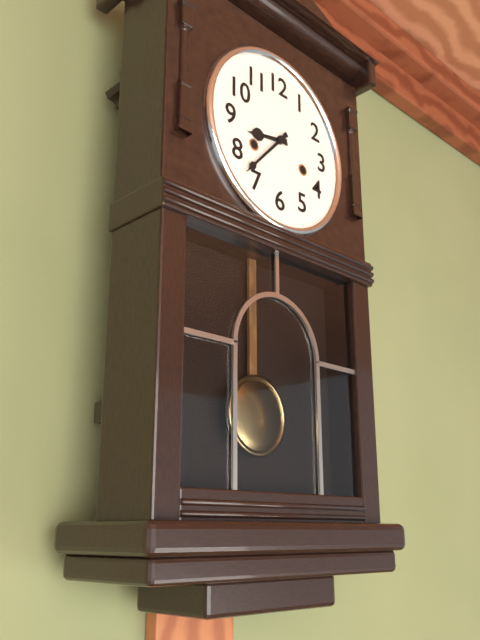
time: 8:37
